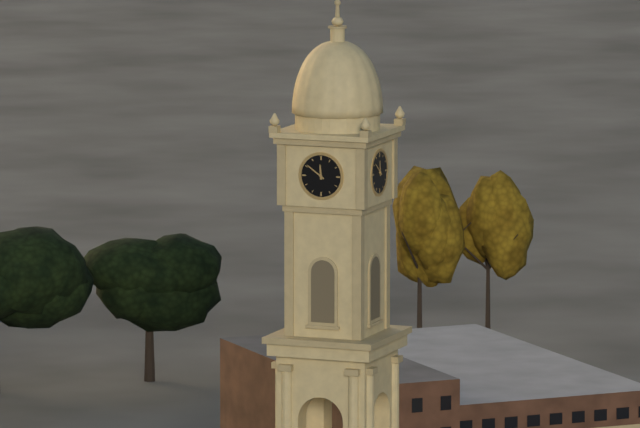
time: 11:51
